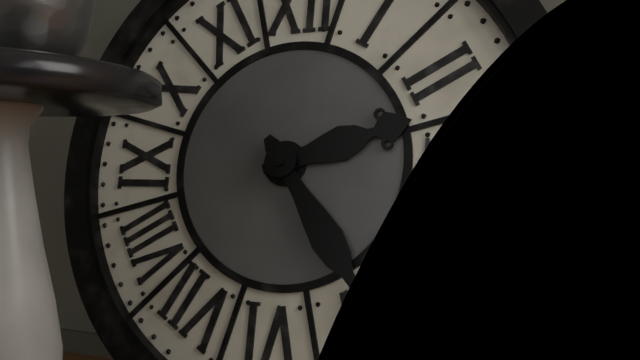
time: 2:24
